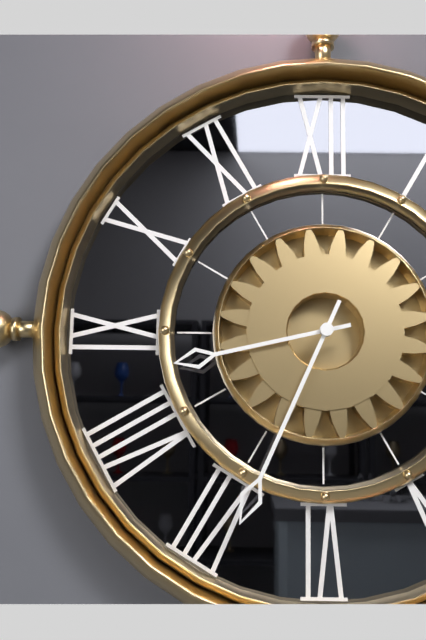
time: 8:34
